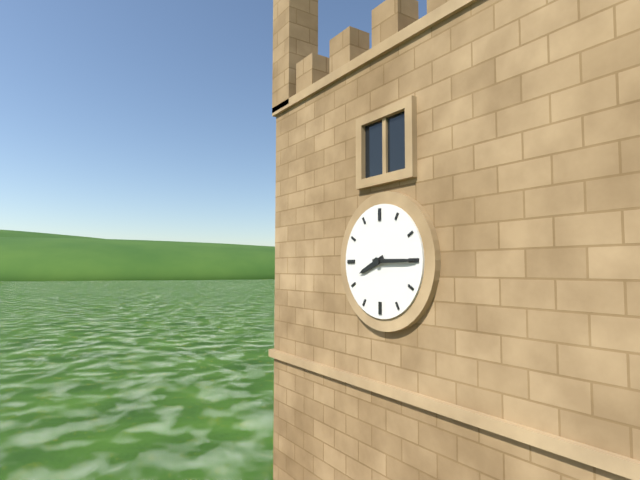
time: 8:15
